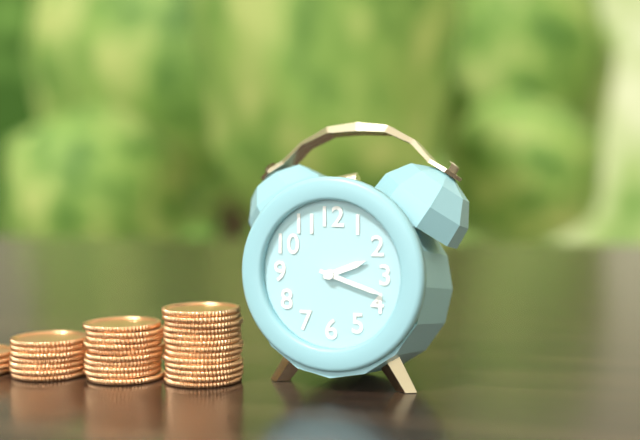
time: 2:18
